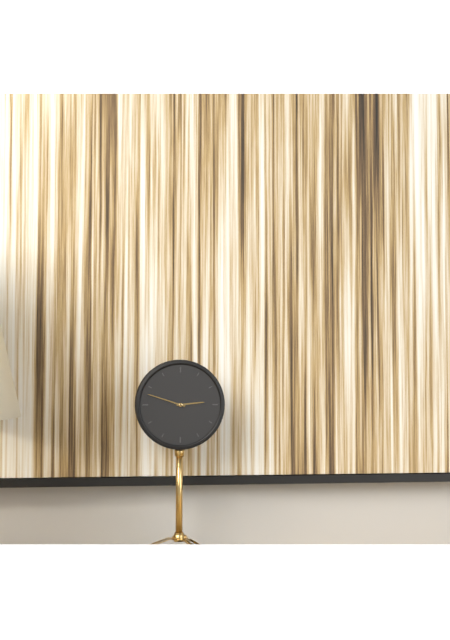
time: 2:48
